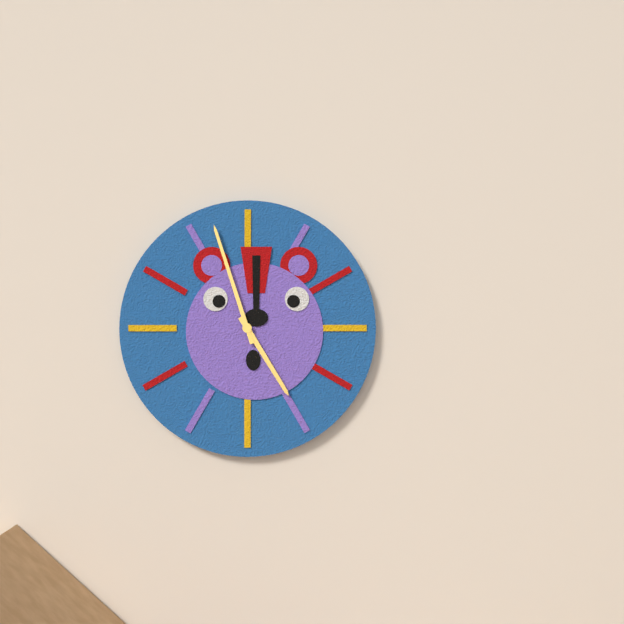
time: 4:57
